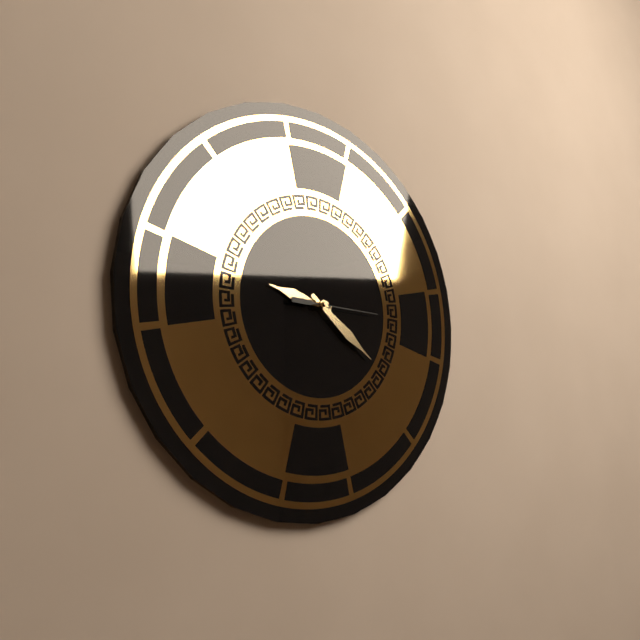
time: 9:21:15
